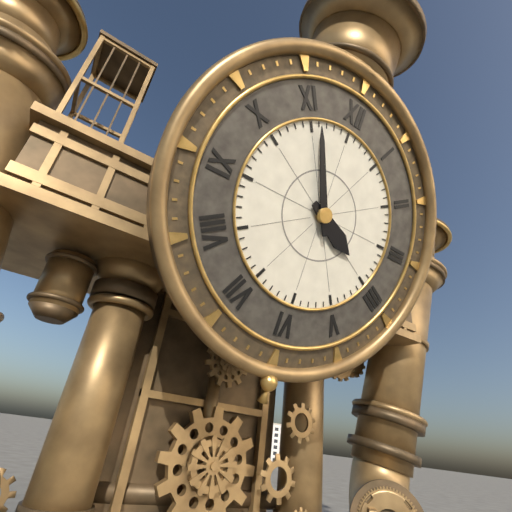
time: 3:56
